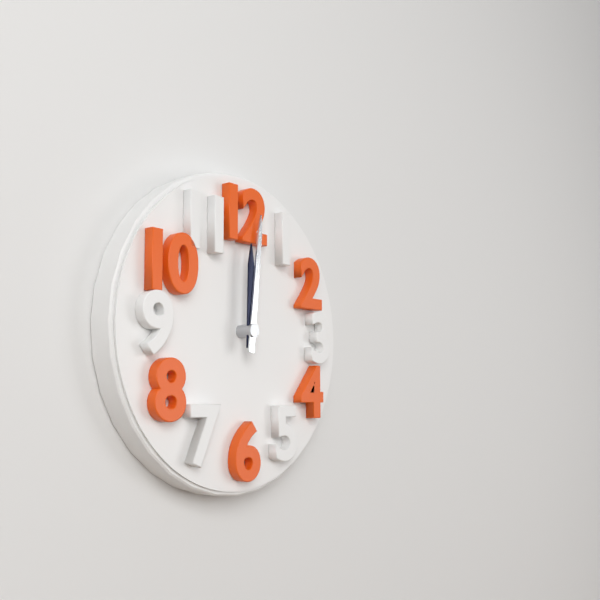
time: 12:01
